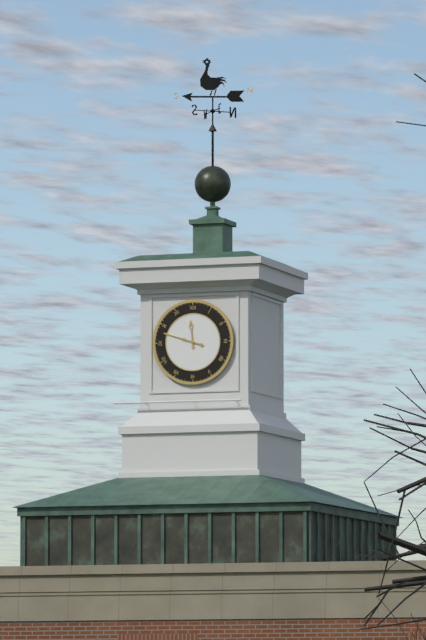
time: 11:48
